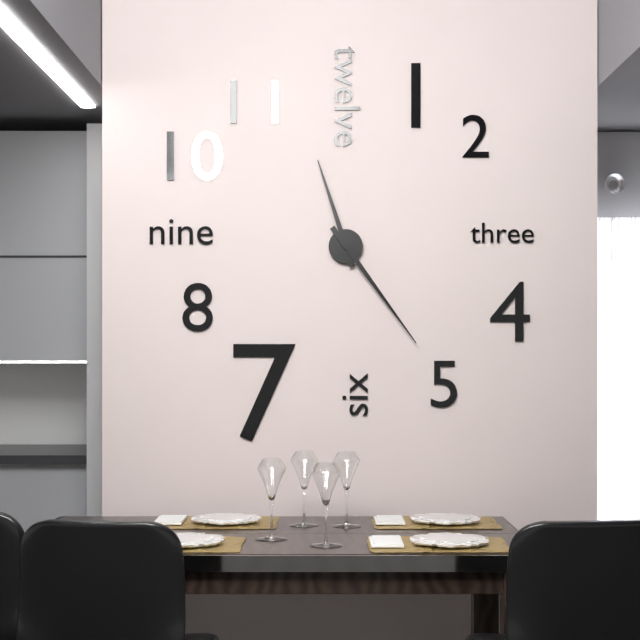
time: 11:24
